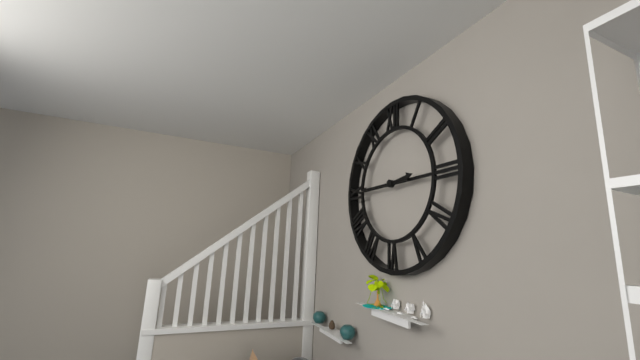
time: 2:45
